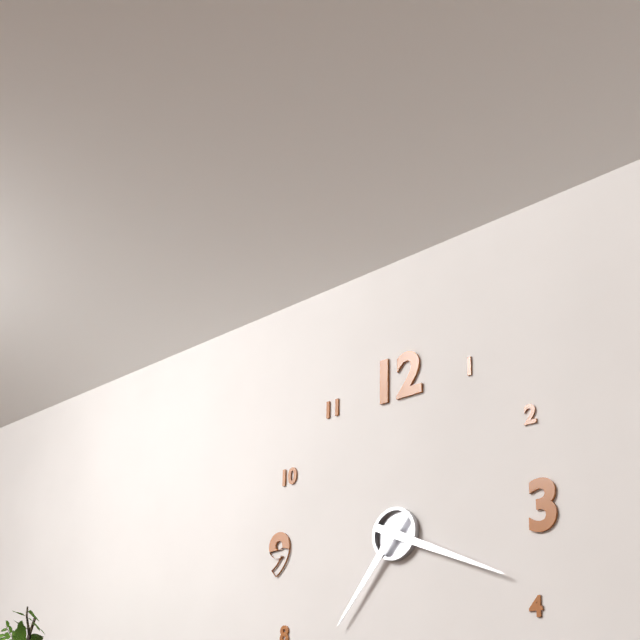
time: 7:19
